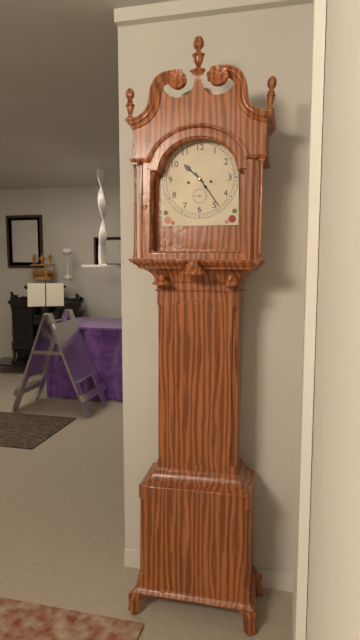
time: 10:24
